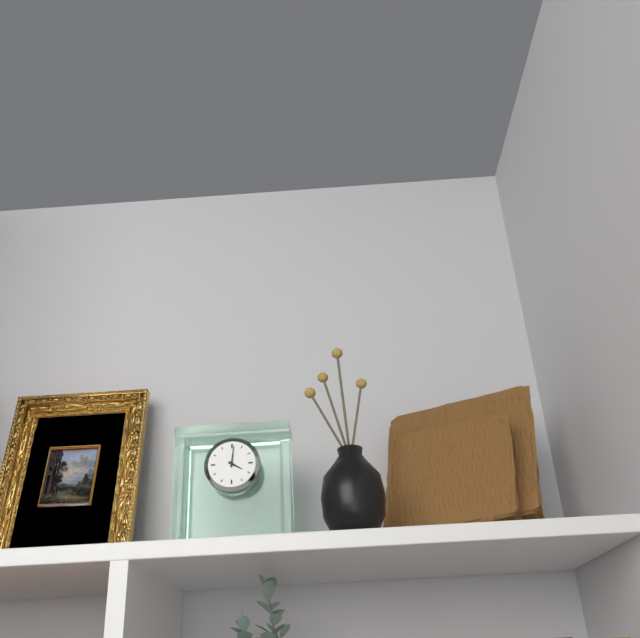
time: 4:01
